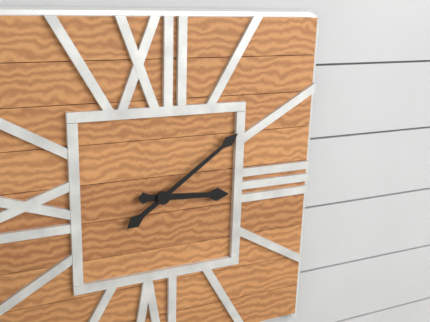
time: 3:09
